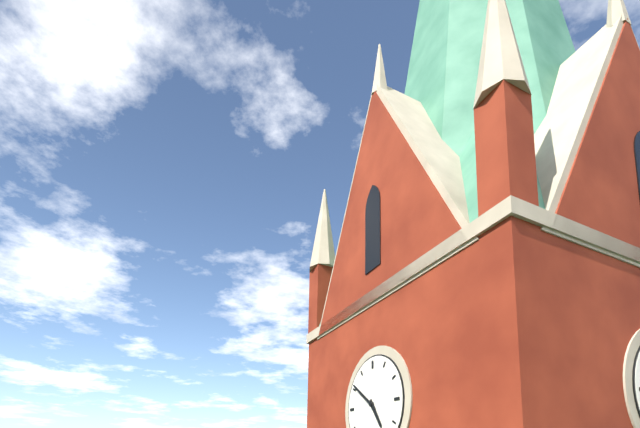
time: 4:51
